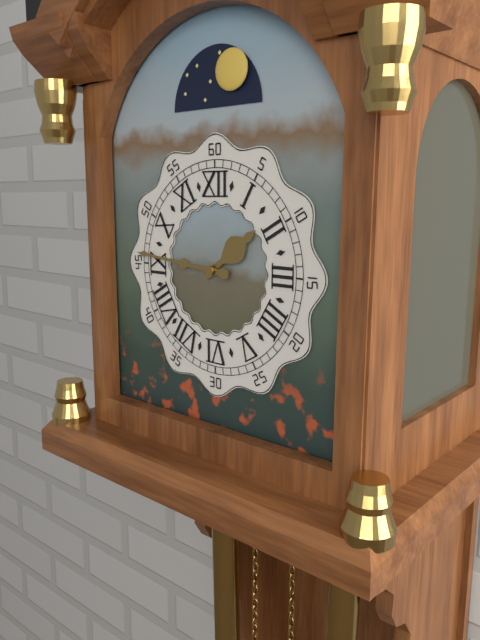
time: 1:46
